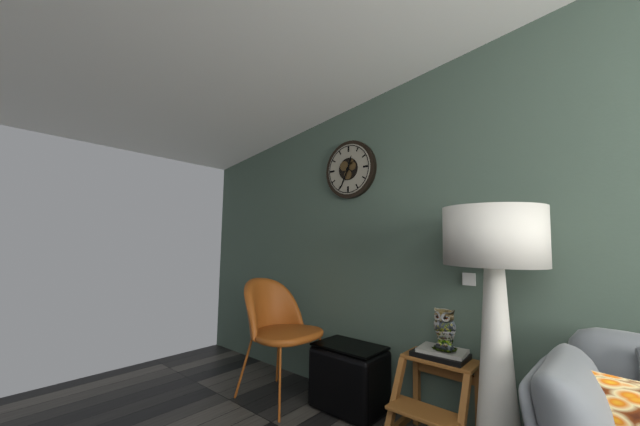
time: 12:34
